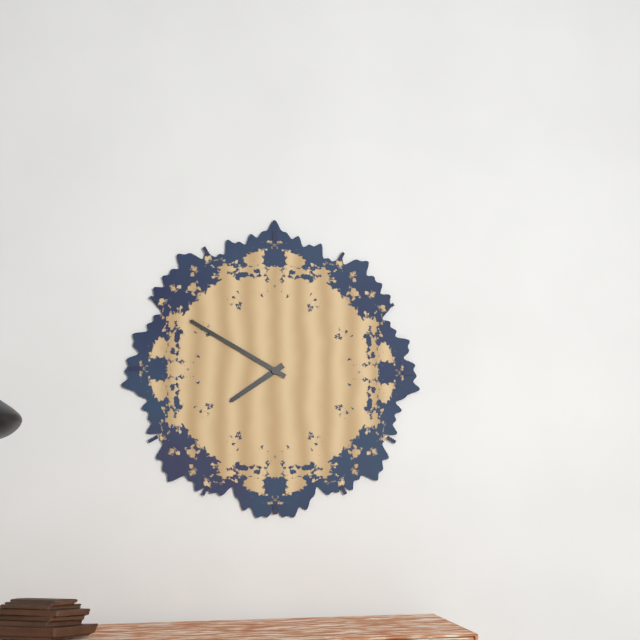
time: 7:50
